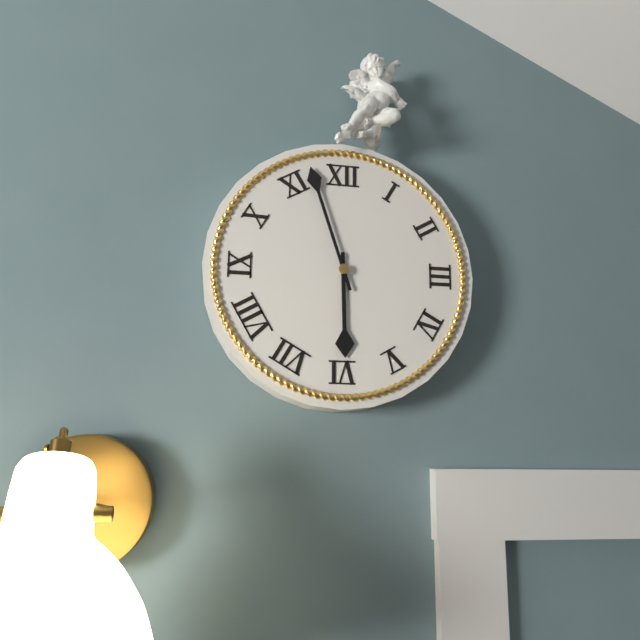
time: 5:57
